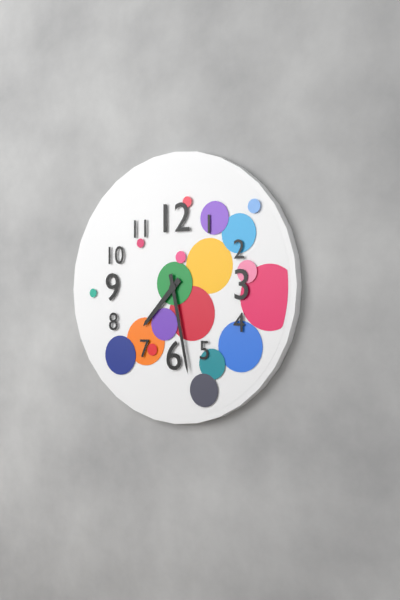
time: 7:28
